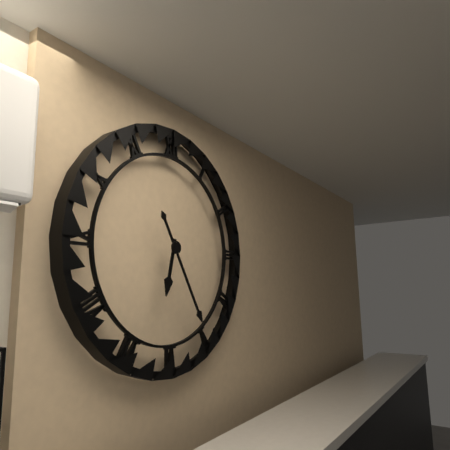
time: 6:25
